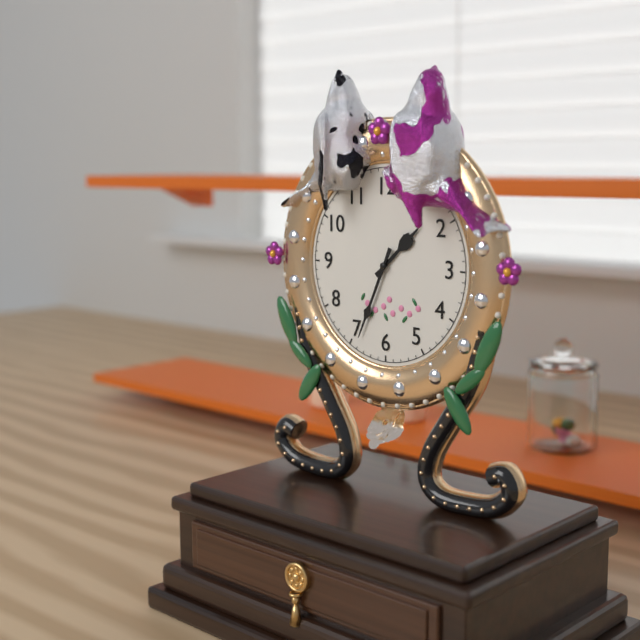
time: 1:34
